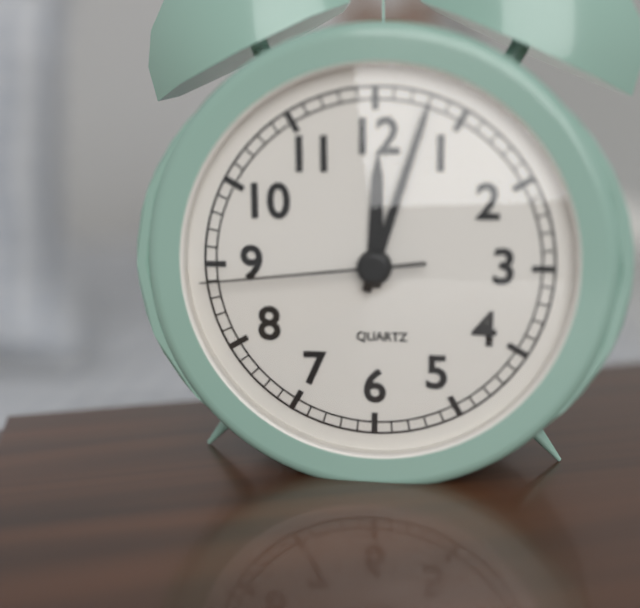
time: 12:03:44
